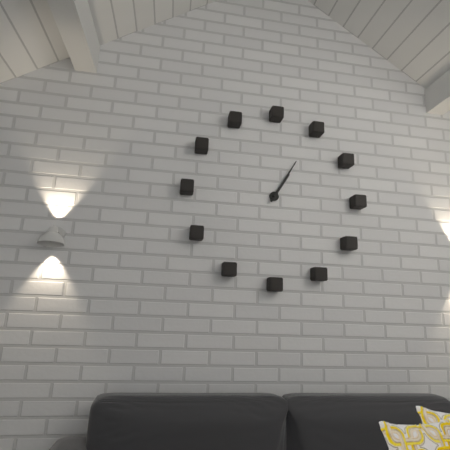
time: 1:05
